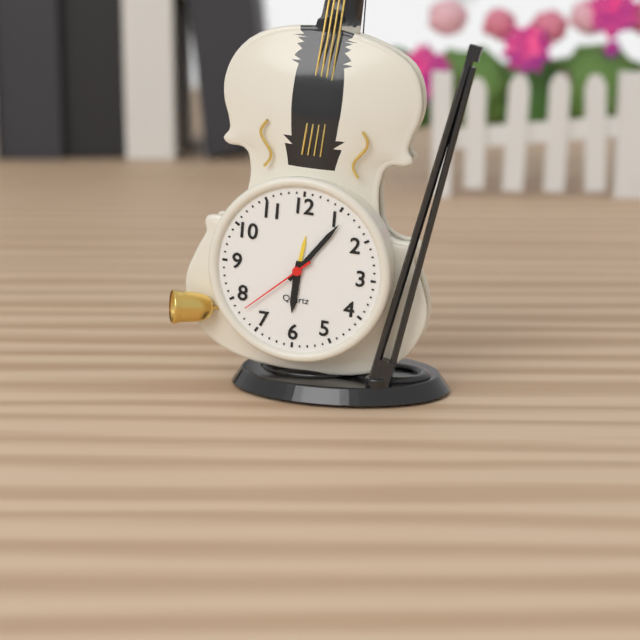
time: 6:06:38
